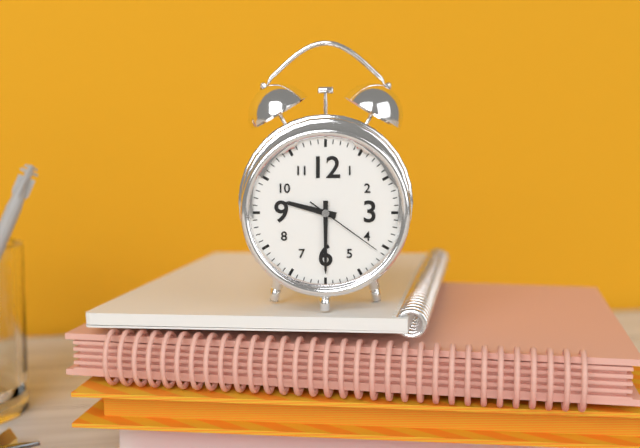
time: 9:30:21
